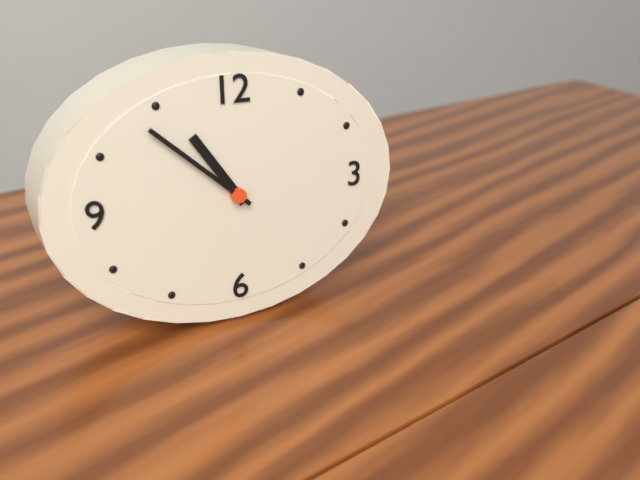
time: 10:52
